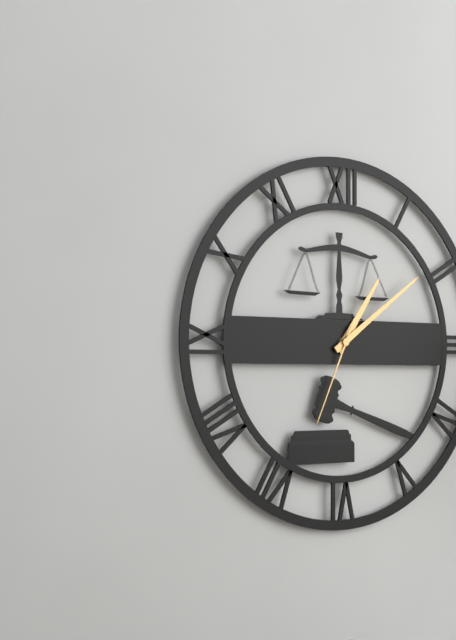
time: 1:09:34
